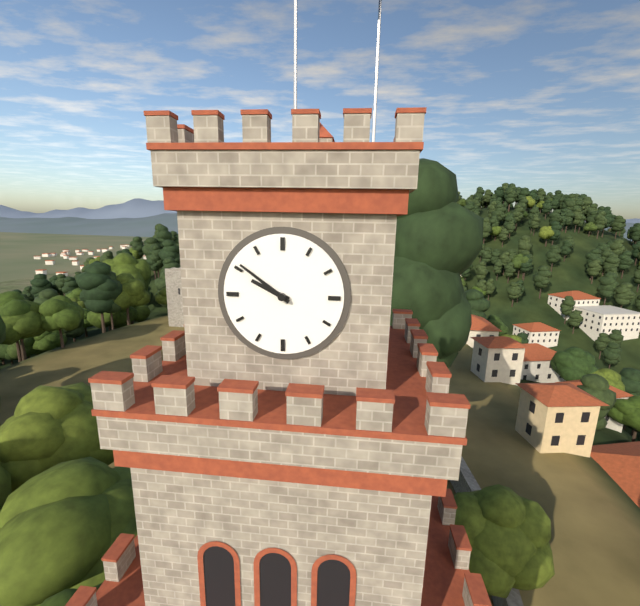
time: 9:51
